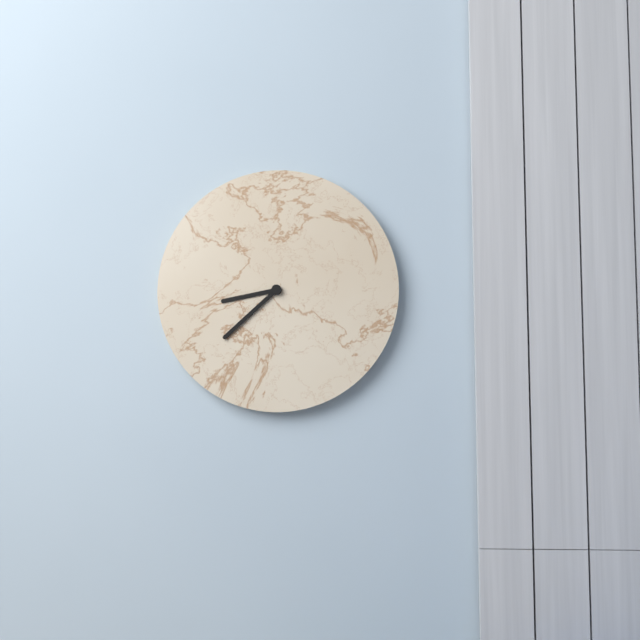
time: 8:38
